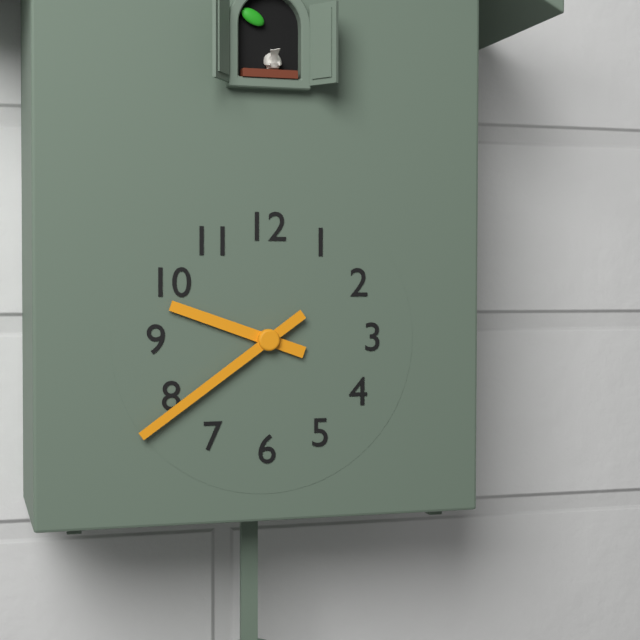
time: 9:39
